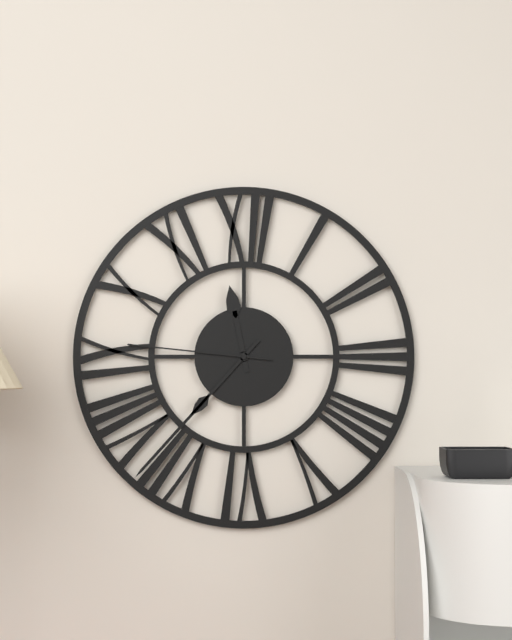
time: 11:37:46
